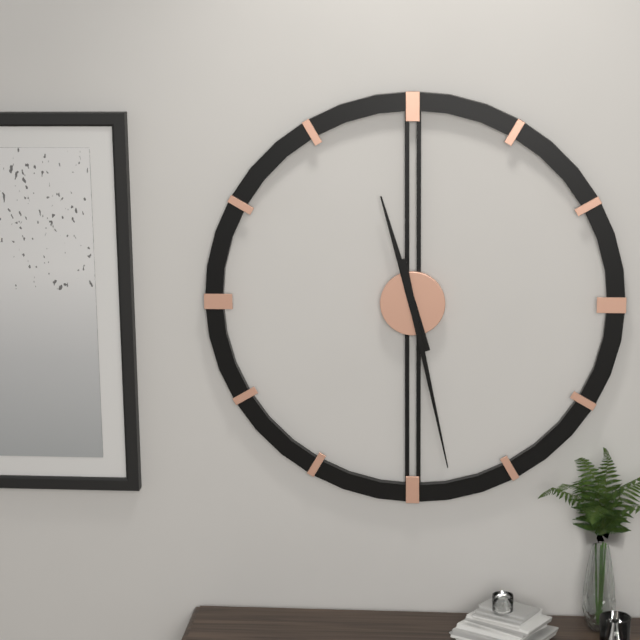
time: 11:28
